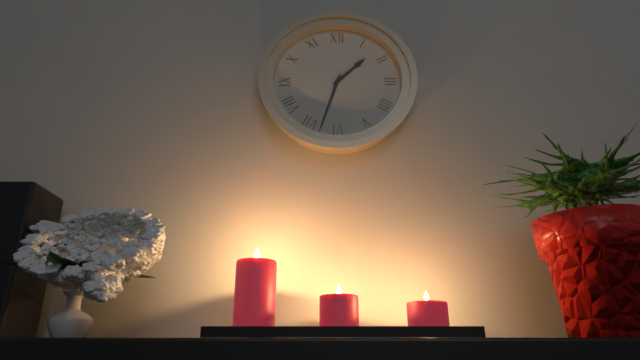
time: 1:33
